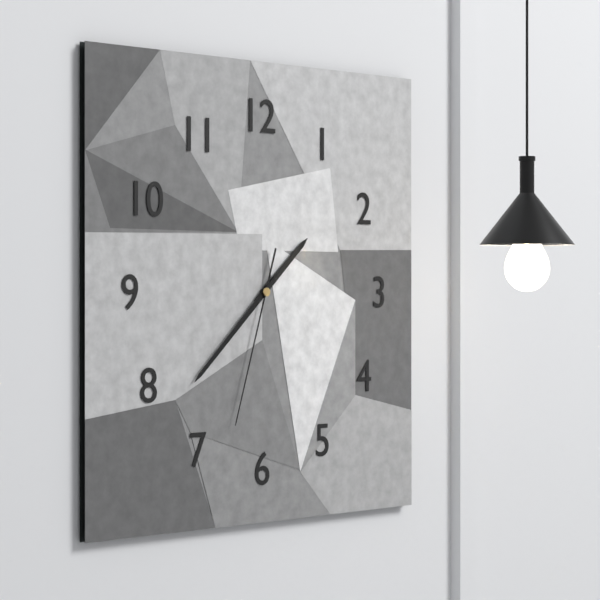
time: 1:38:33
